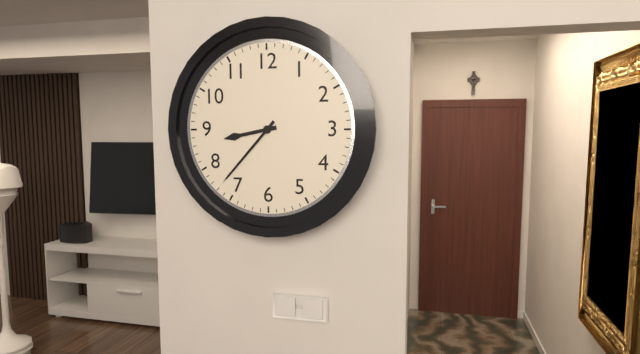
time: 8:37
